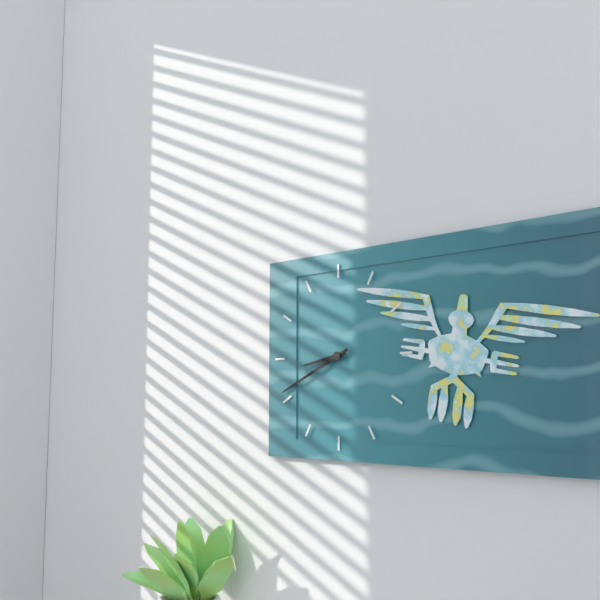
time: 8:41
